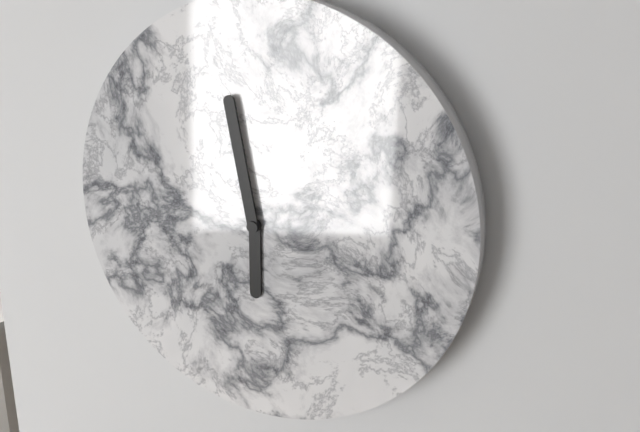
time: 5:58
